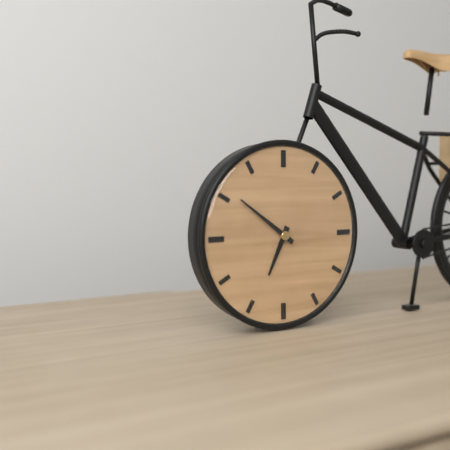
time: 6:51
